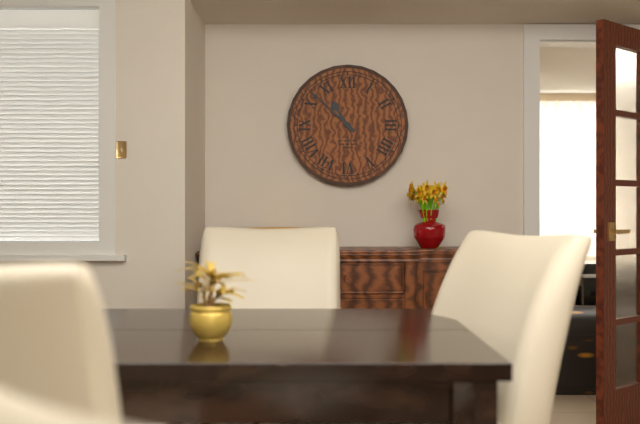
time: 10:52
